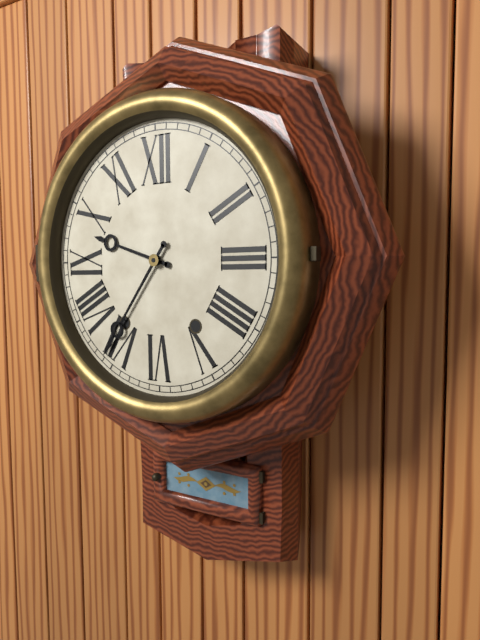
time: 9:36
